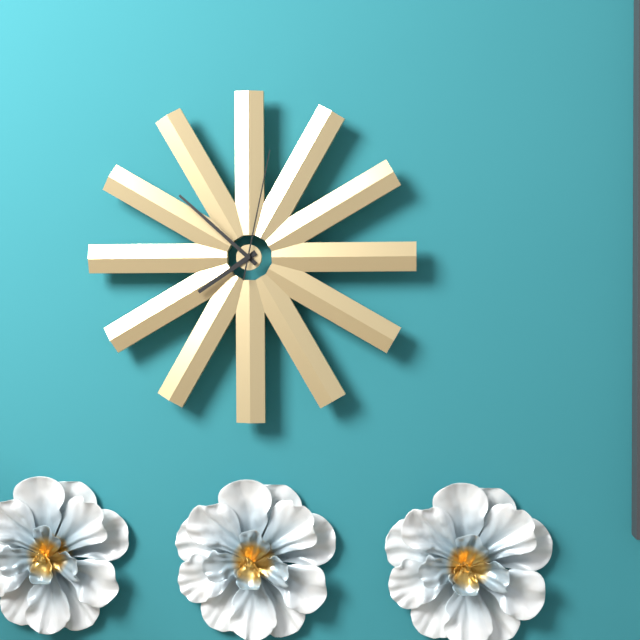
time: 7:52:02
